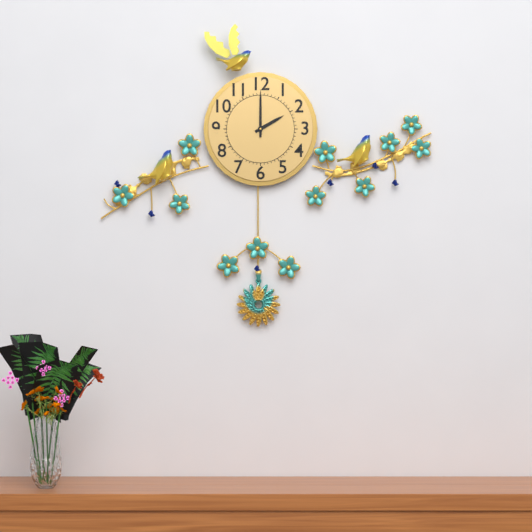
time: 2:00
